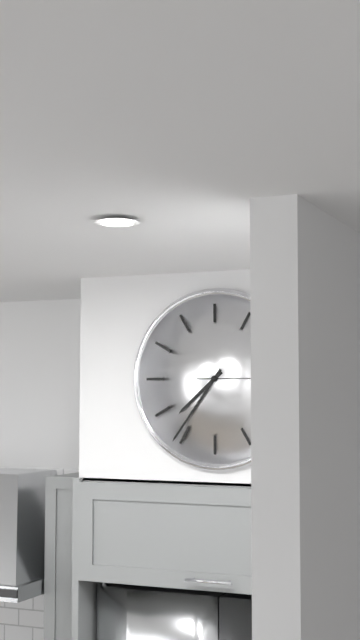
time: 7:36
